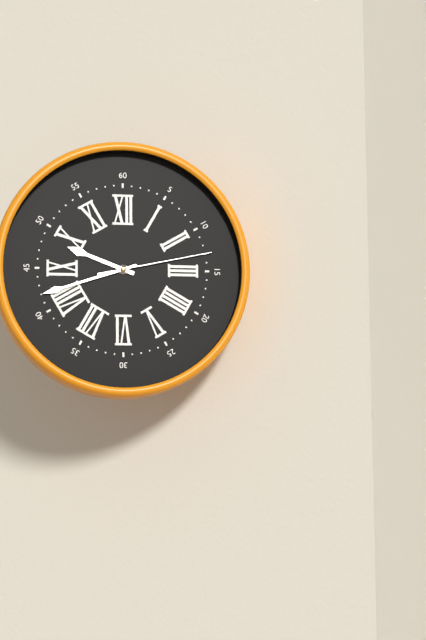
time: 9:42:13
